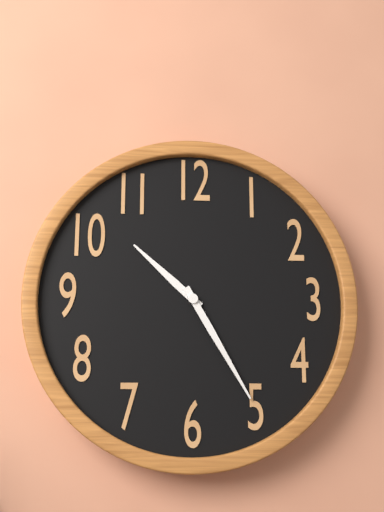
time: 10:25
